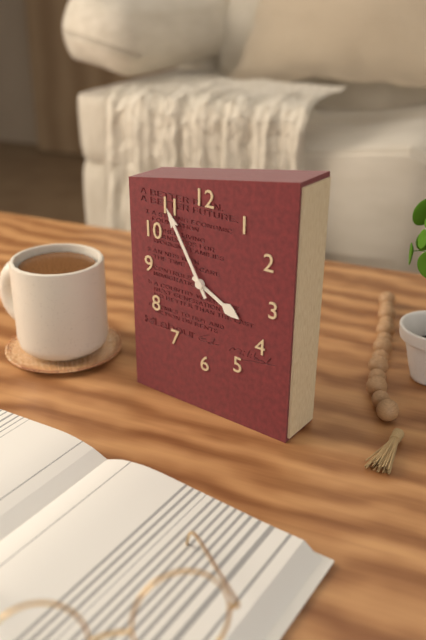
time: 3:55
